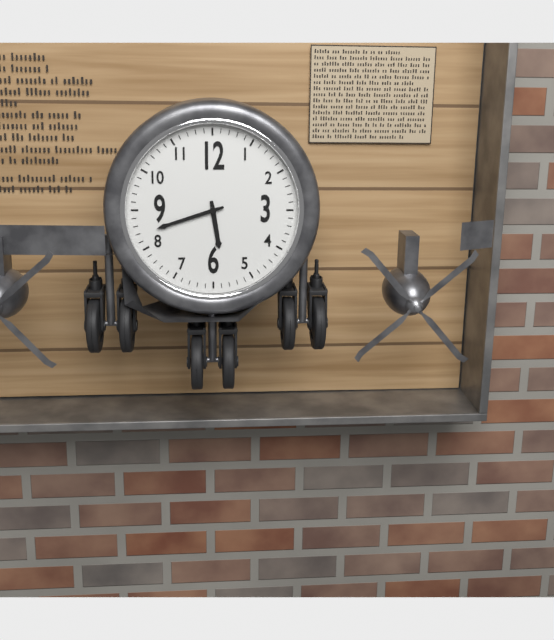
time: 5:42
